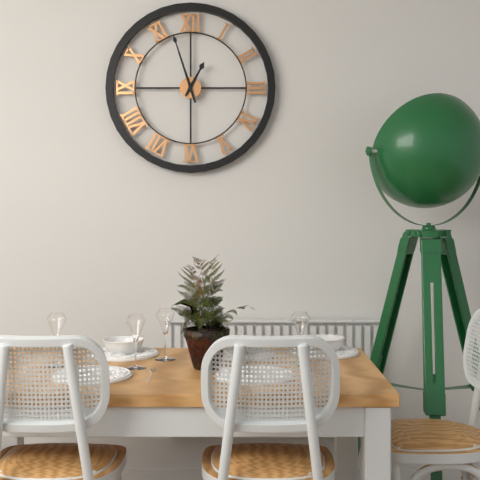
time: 12:57
